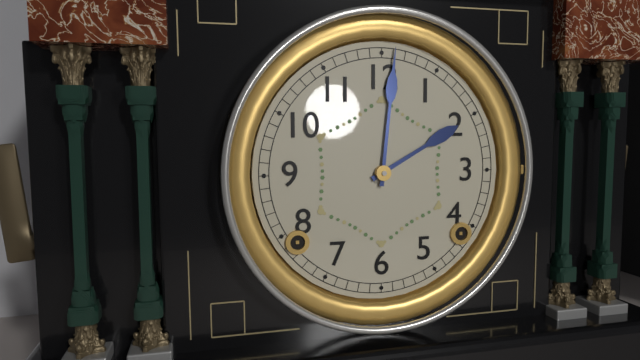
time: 2:01
